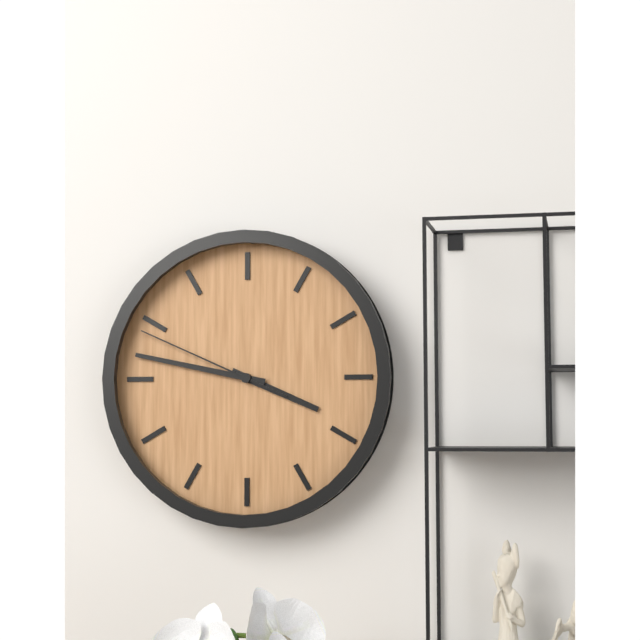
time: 3:47:49
